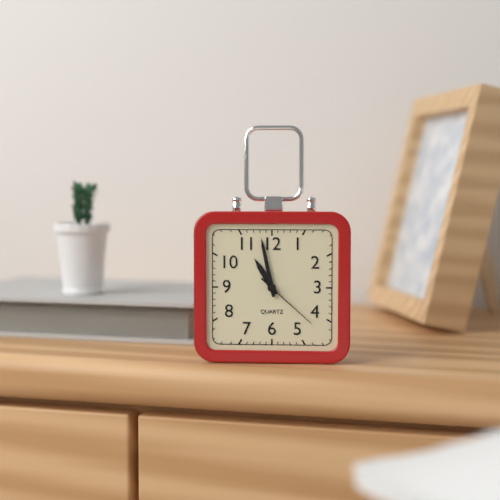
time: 10:58:22
